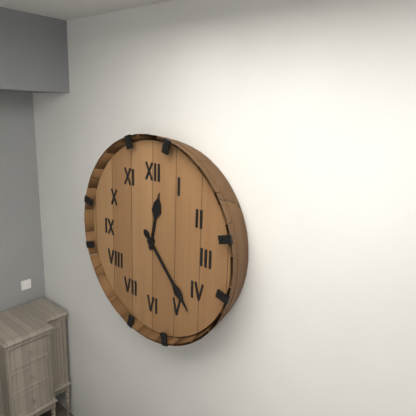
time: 12:23
